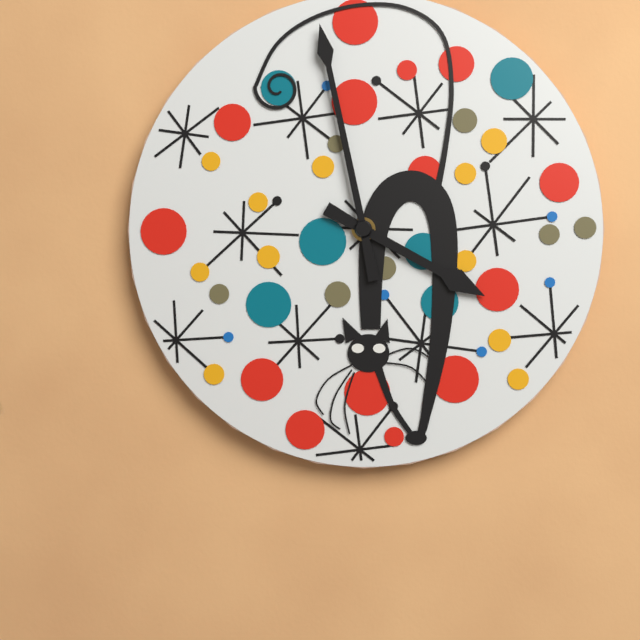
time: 3:58
